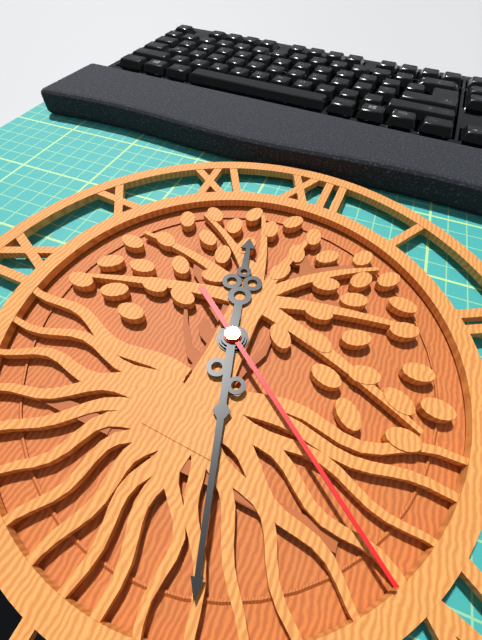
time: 11:27:21
